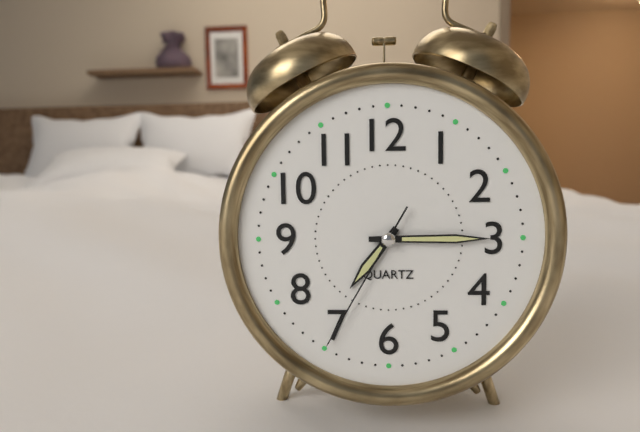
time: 7:15:35
